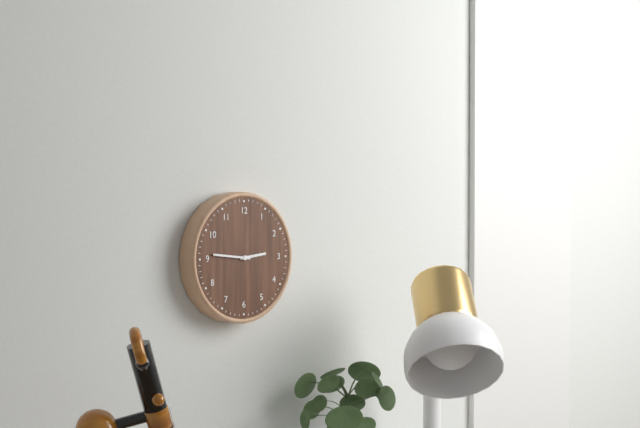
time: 2:46
